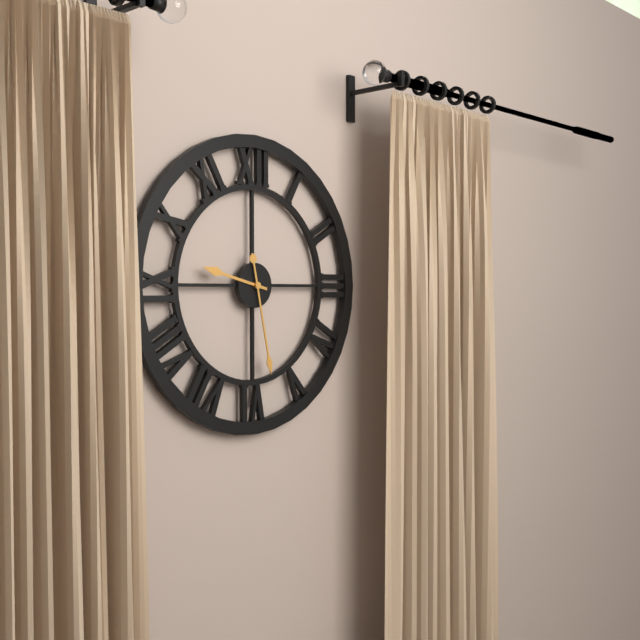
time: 9:28
